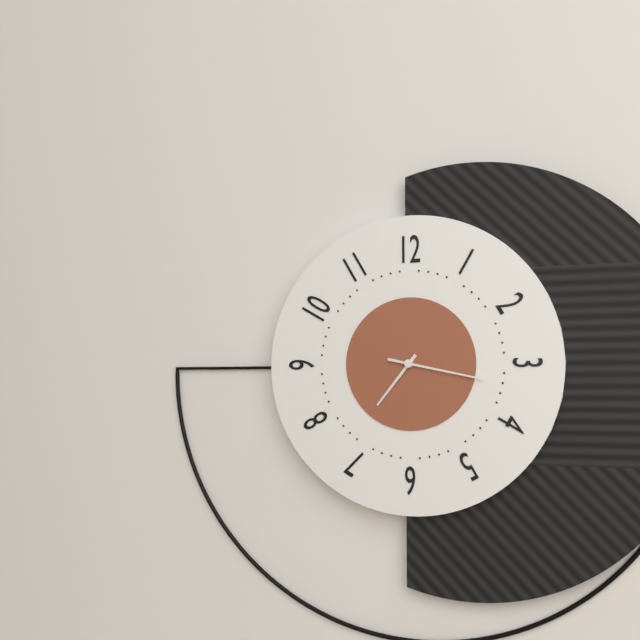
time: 7:17
